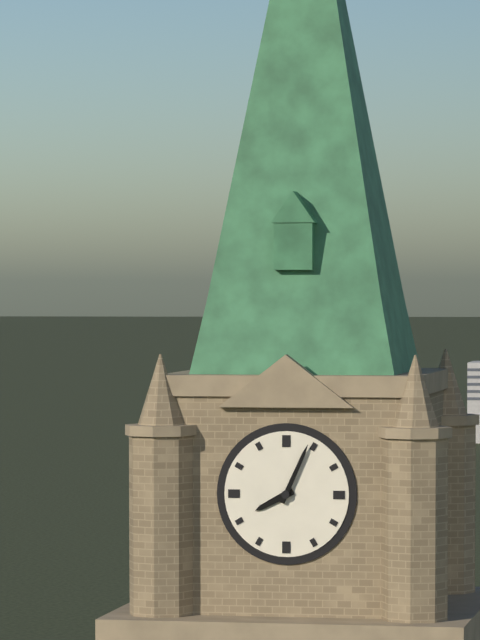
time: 8:04
